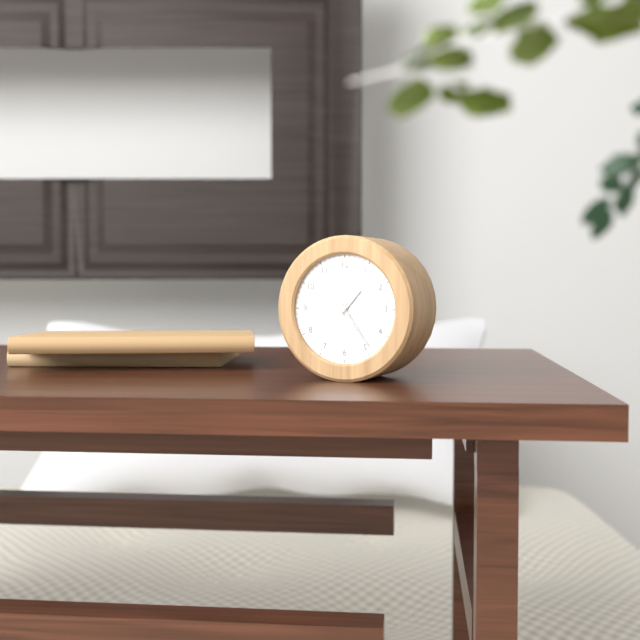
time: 1:24:01
